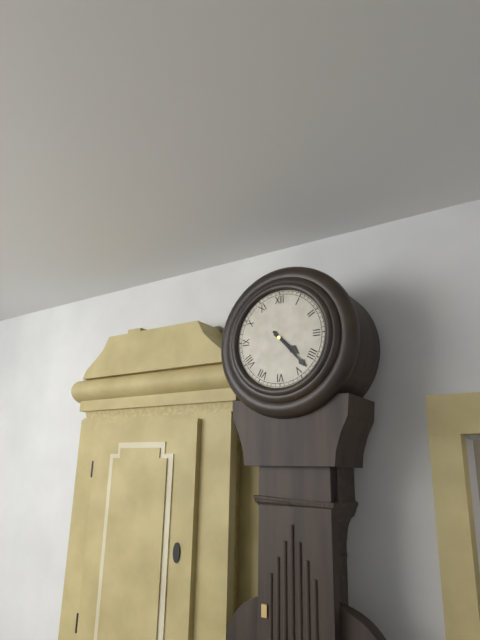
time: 4:23
